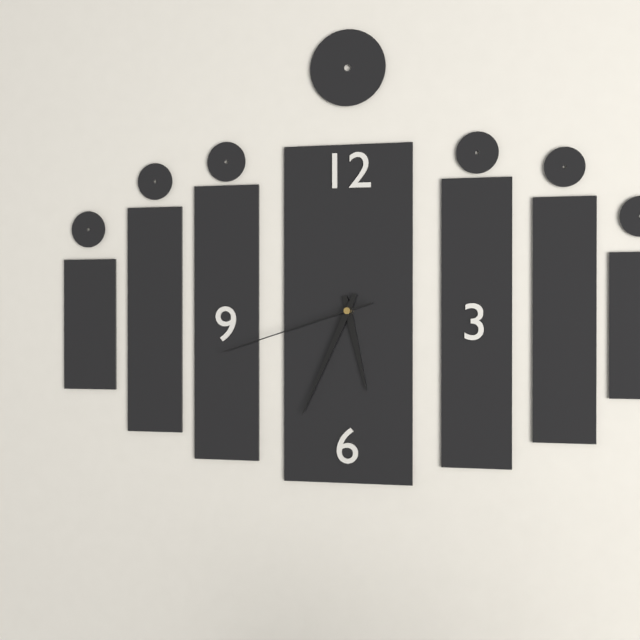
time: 5:34:42
